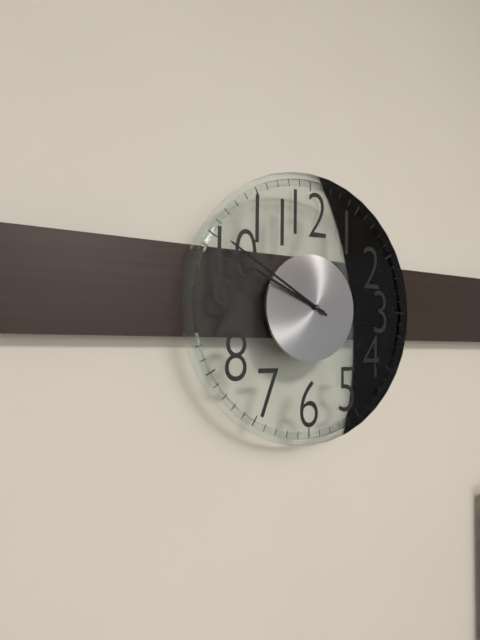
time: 9:50
